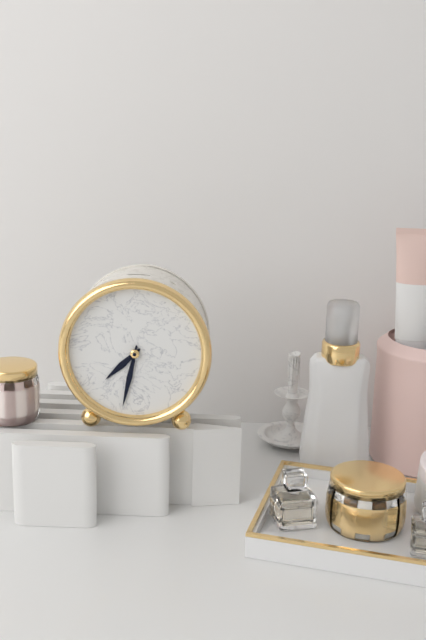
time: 7:32
